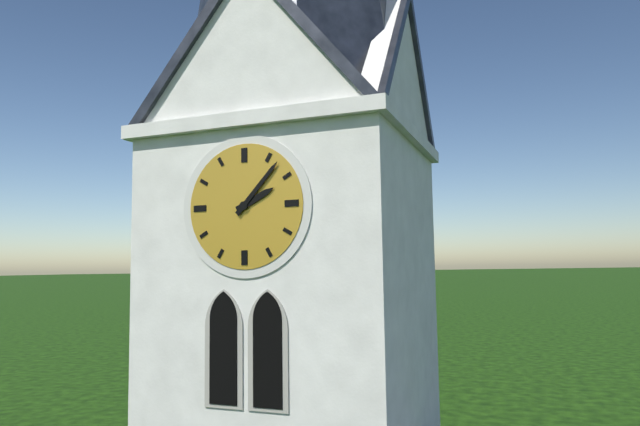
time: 2:07
